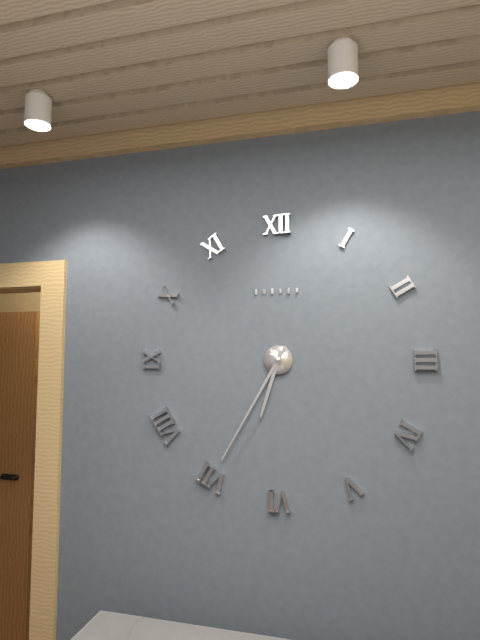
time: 6:35
